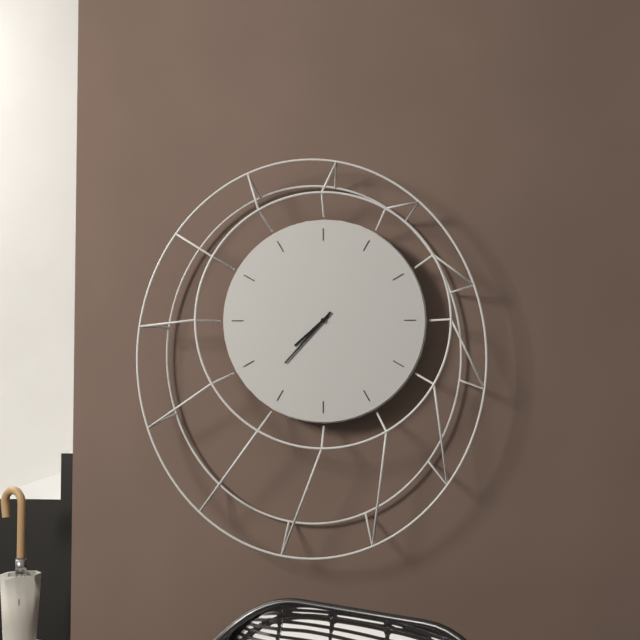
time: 7:37
